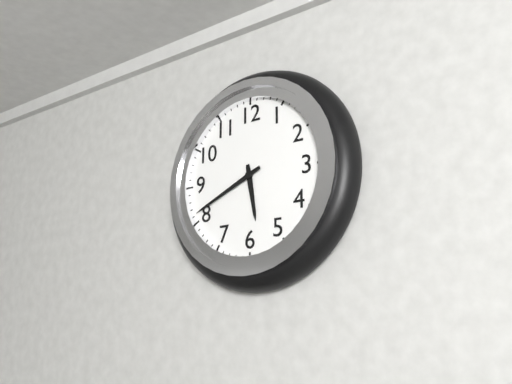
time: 5:41
